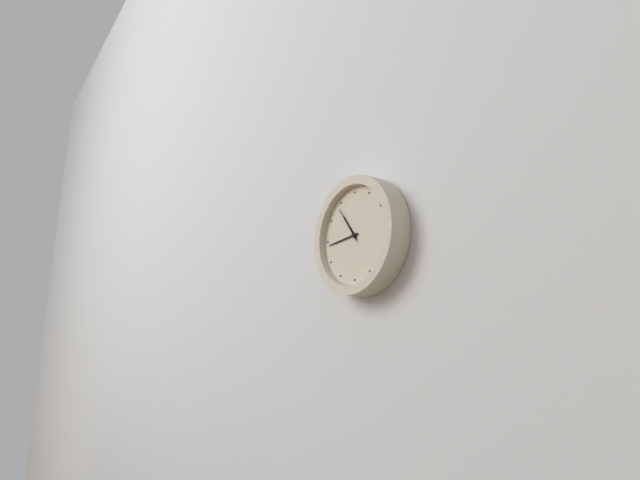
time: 10:44
